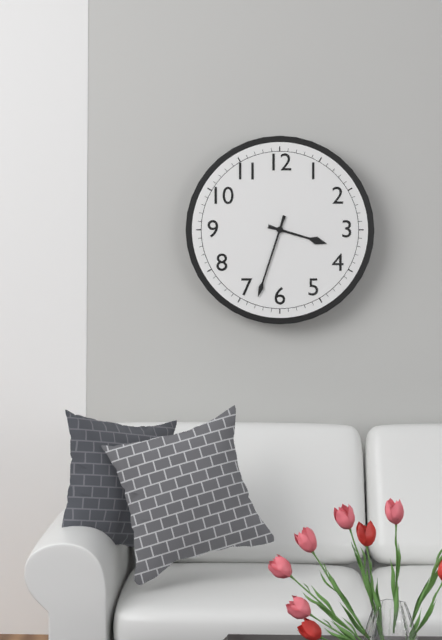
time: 3:33
